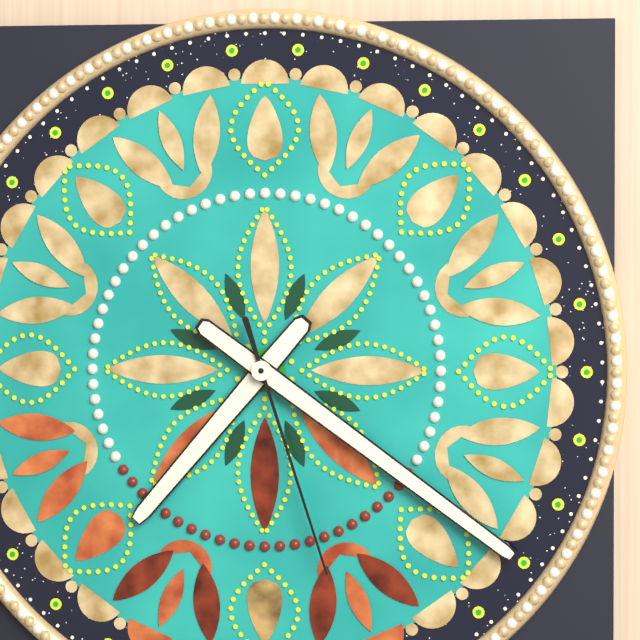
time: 7:21:27
